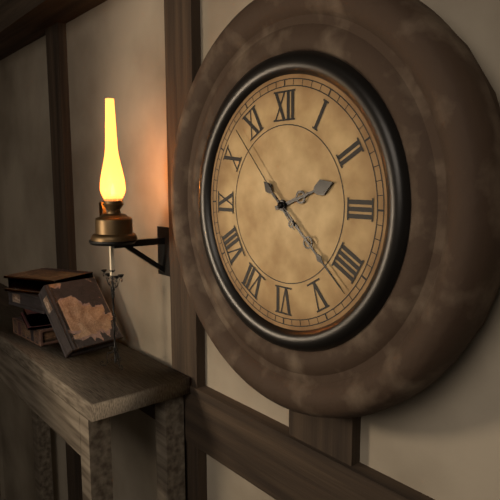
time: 2:22:53
